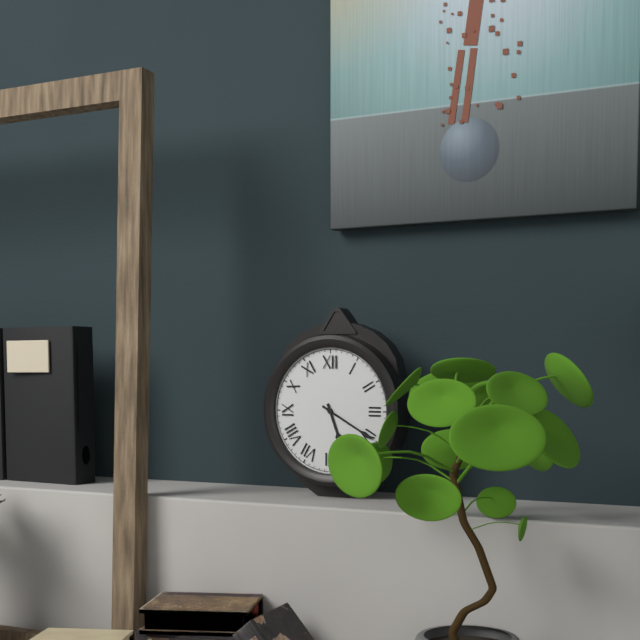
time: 5:20
